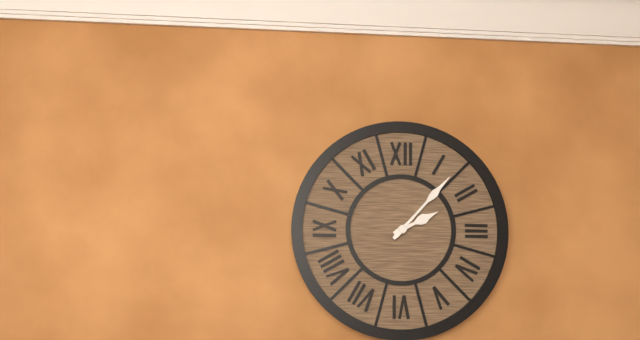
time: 2:07
